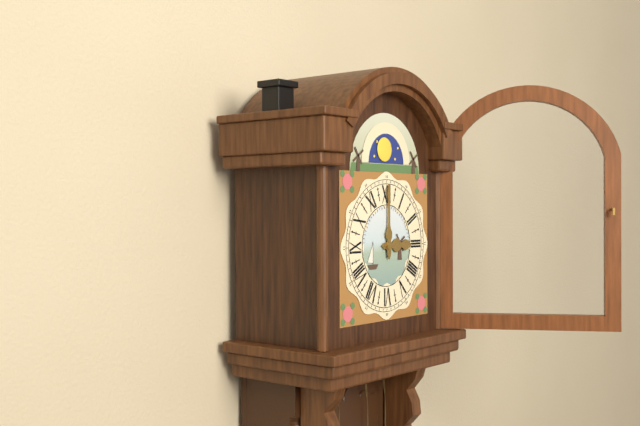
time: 3:00
